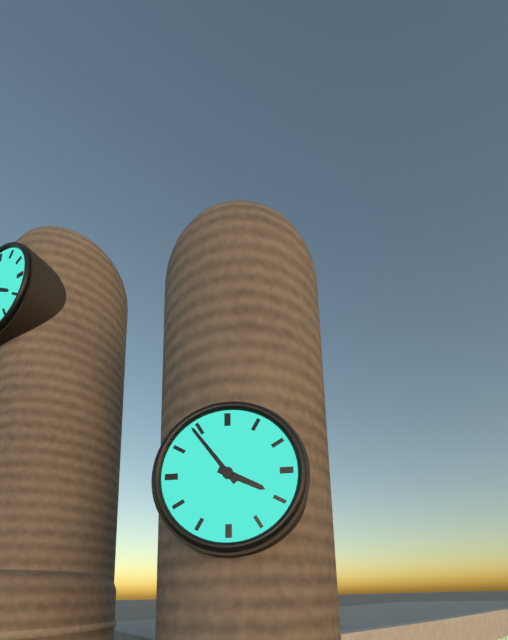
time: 3:54
